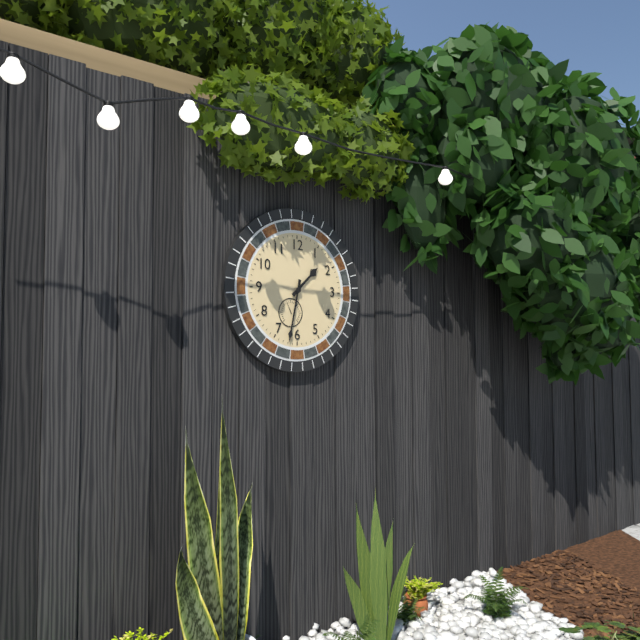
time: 1:32
